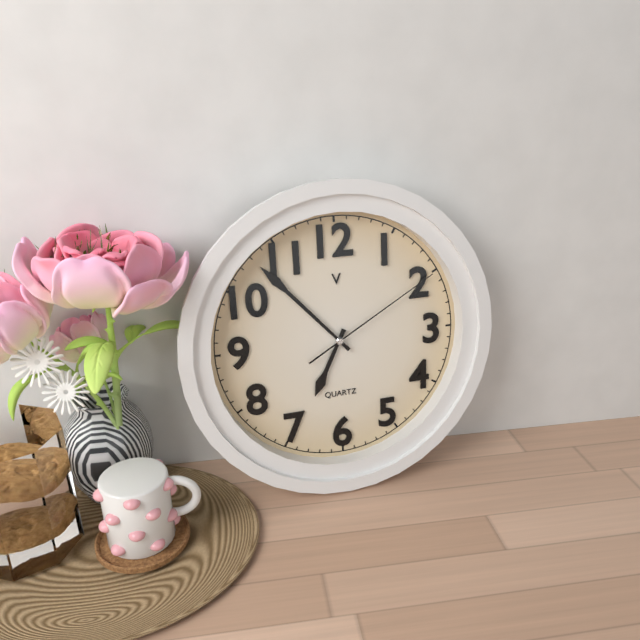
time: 6:53:10
